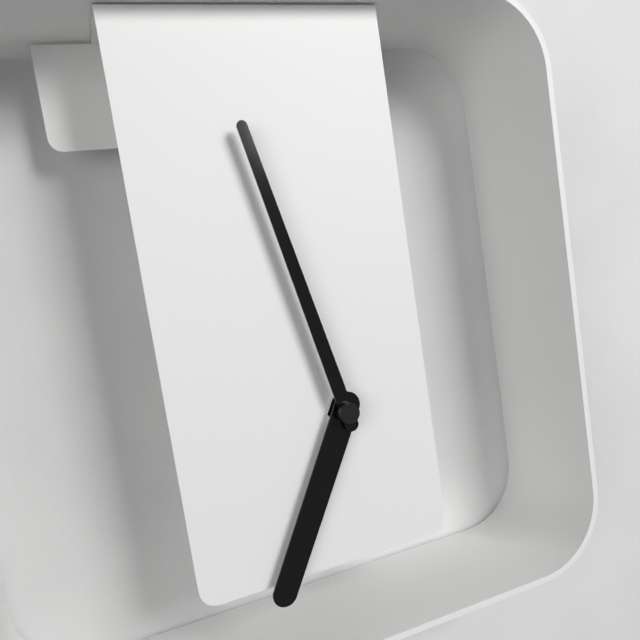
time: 6:58
